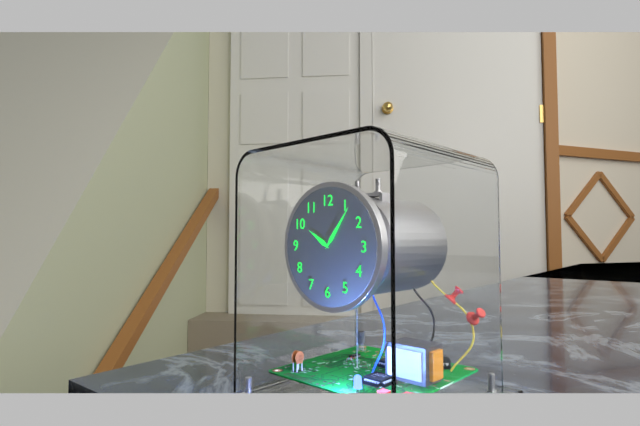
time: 10:06:06
